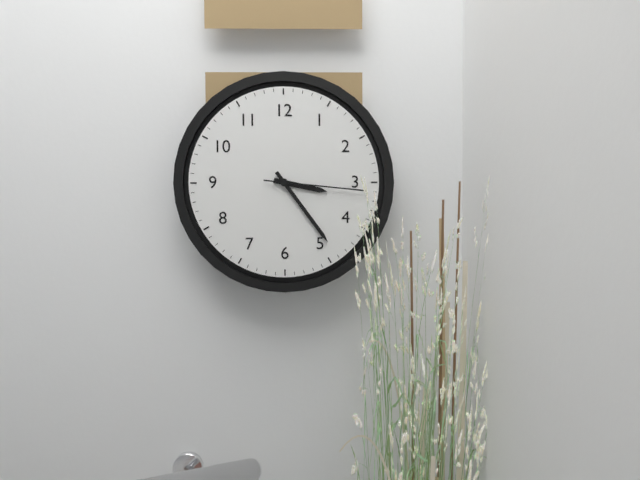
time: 3:24:16
